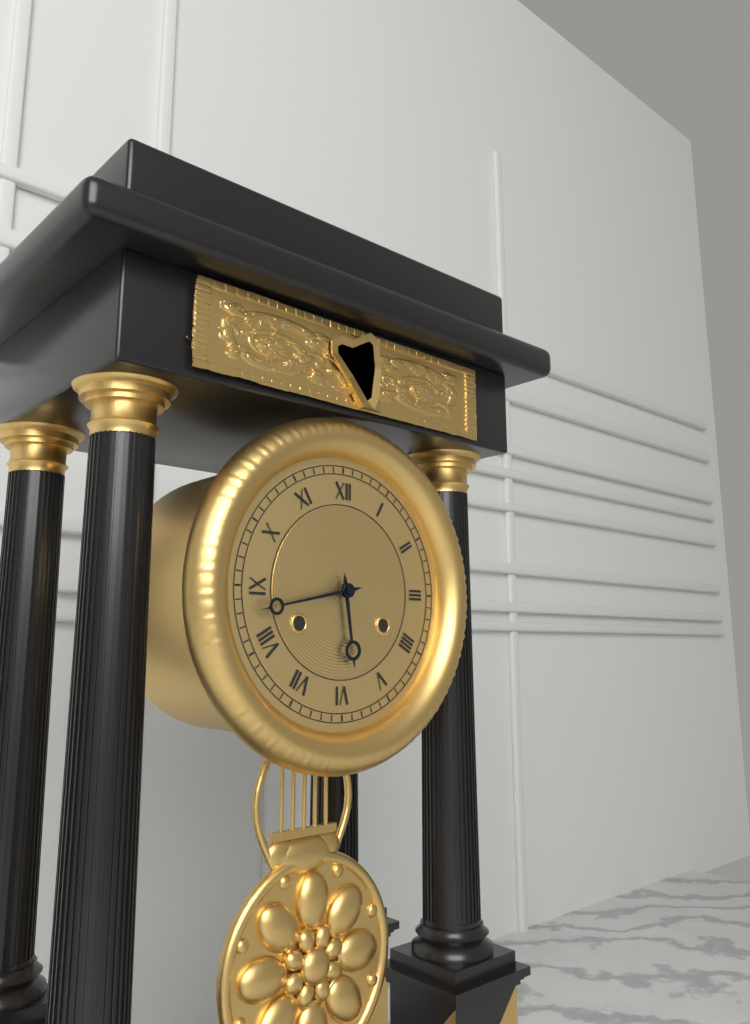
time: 5:43
